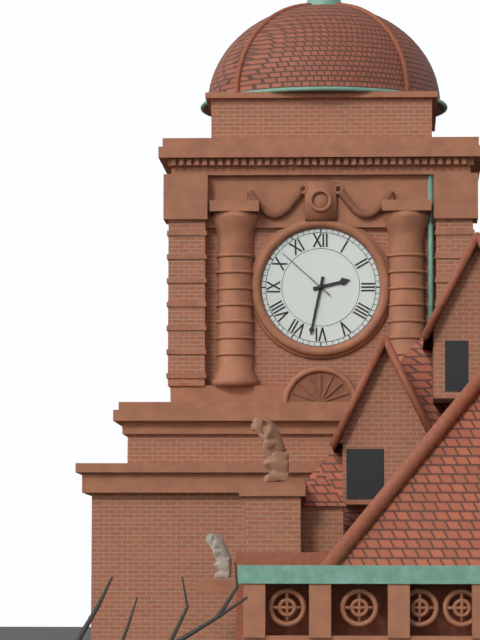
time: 2:32:52
